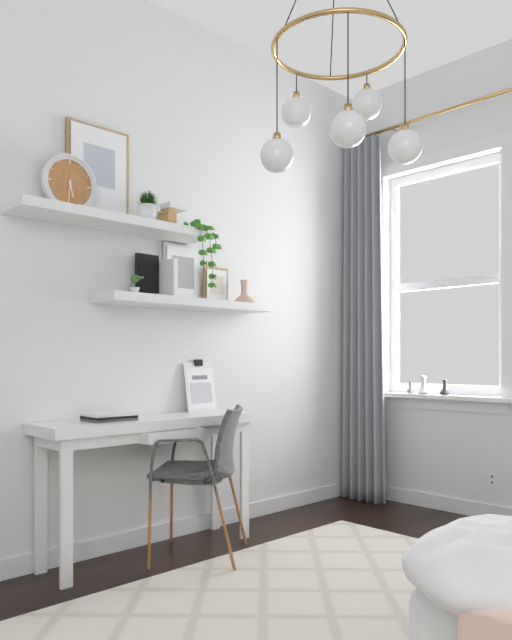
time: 5:31
